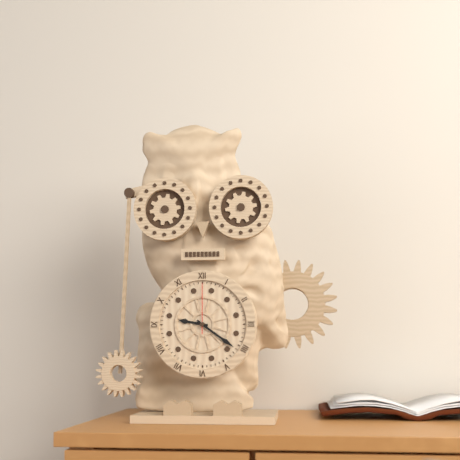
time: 9:21:00
